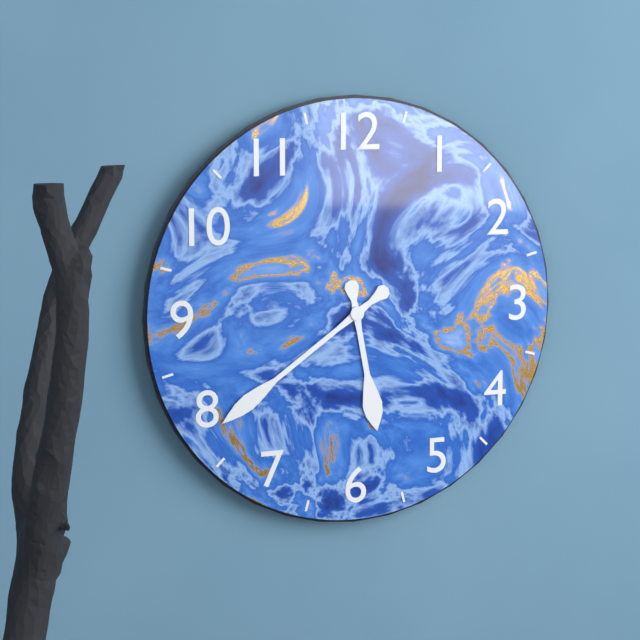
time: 5:39
